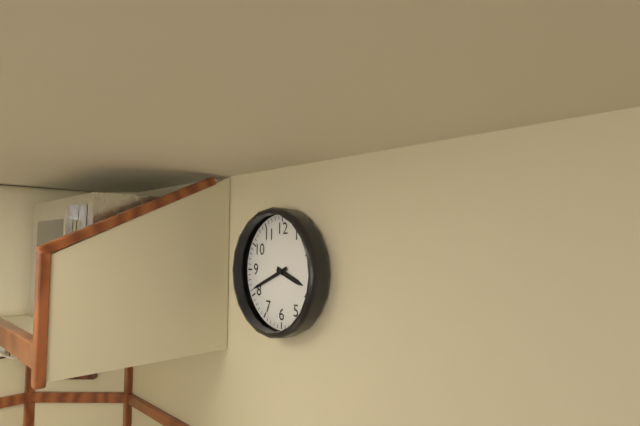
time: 3:41
